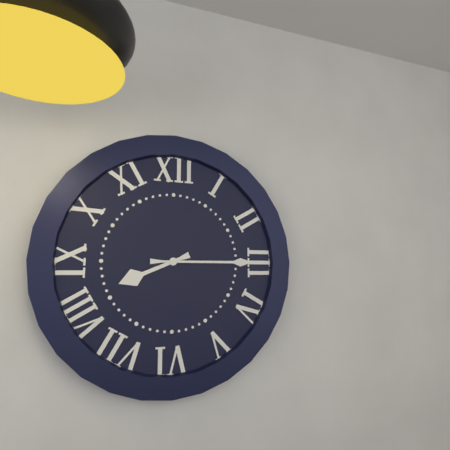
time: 8:15
